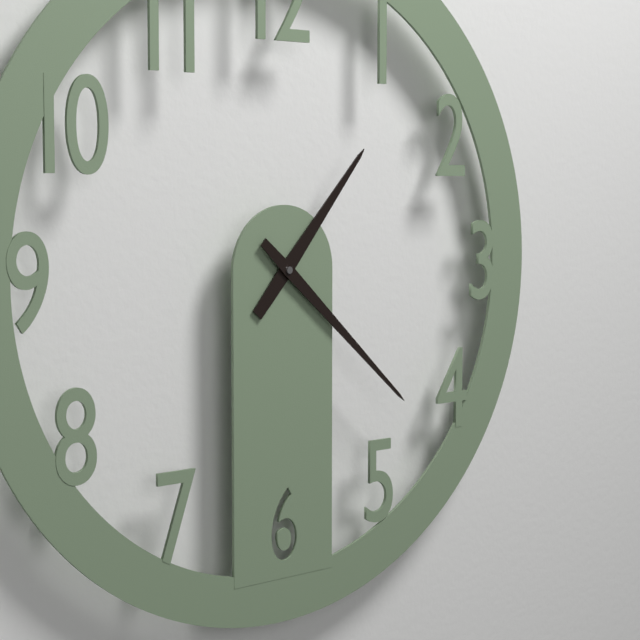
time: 1:22
